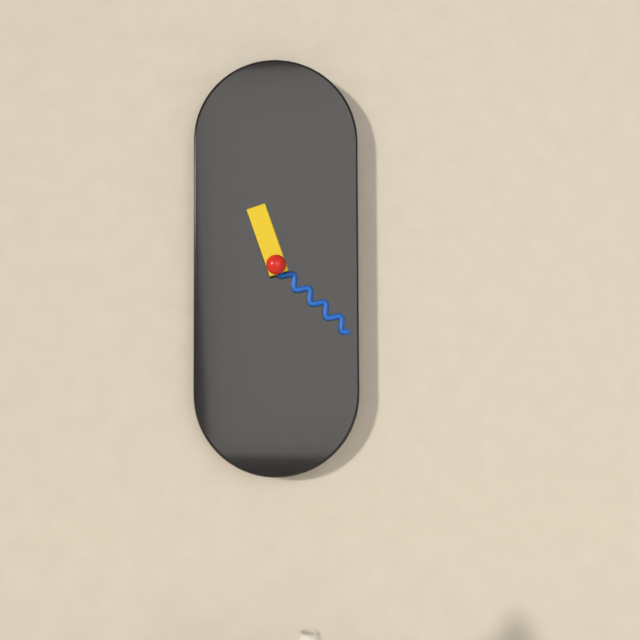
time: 11:22
